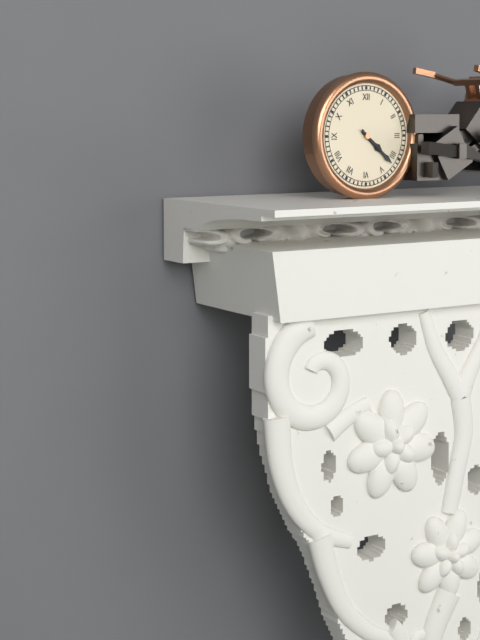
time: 4:22
